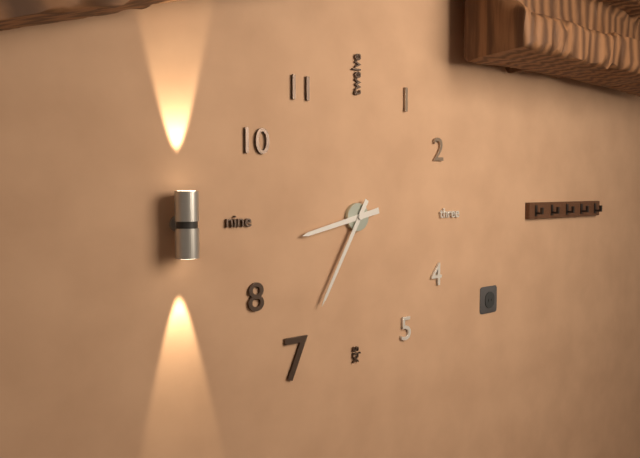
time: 8:35
